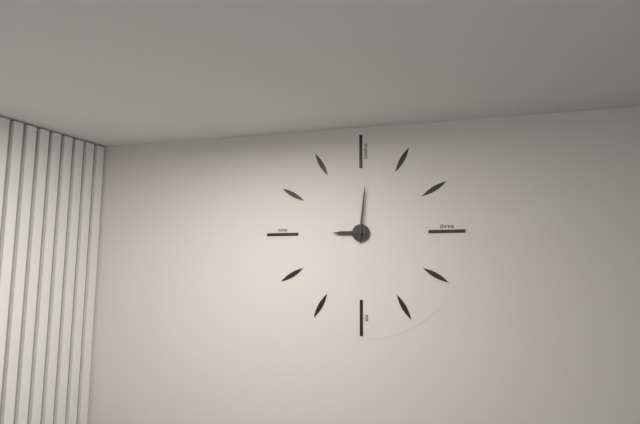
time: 9:01
